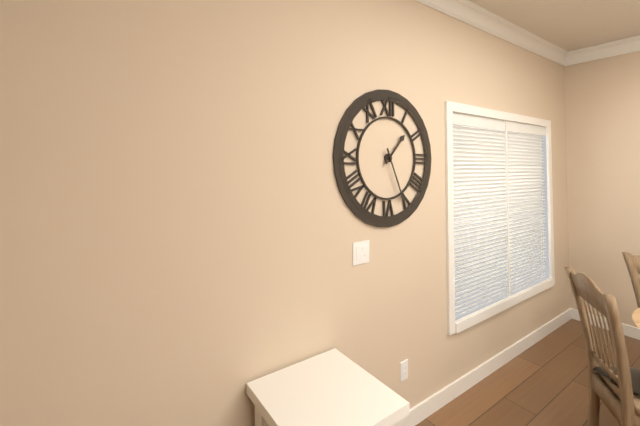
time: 1:26
